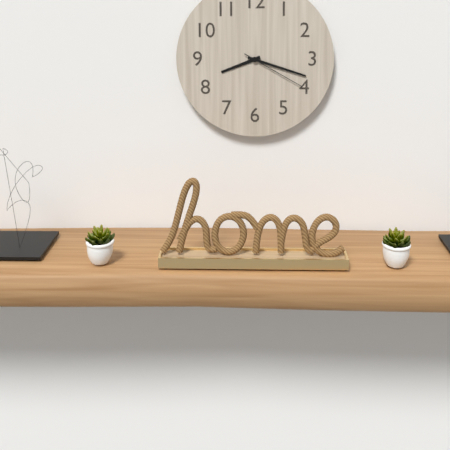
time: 8:18:20
